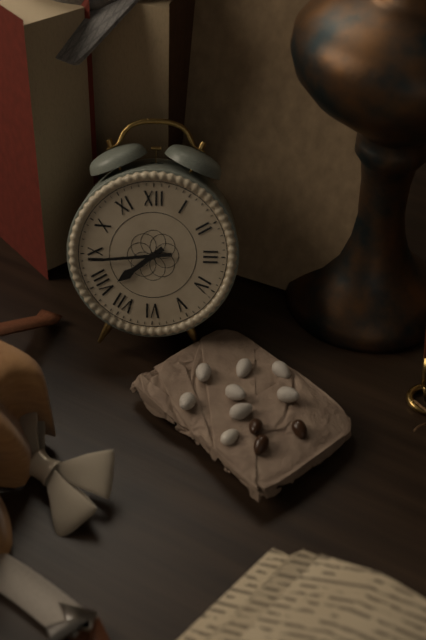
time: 7:44
